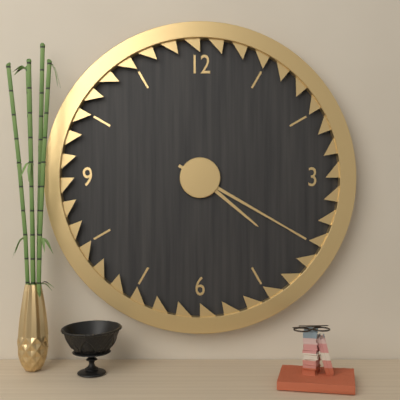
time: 4:20
